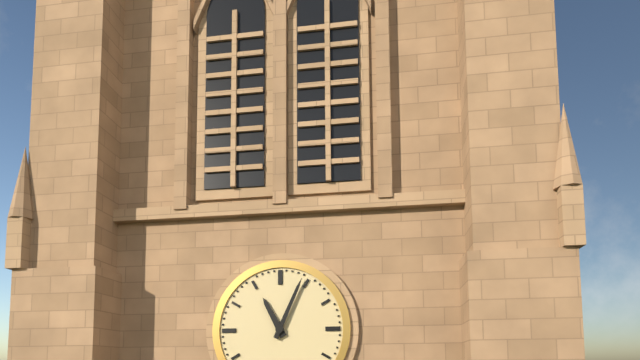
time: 11:04
